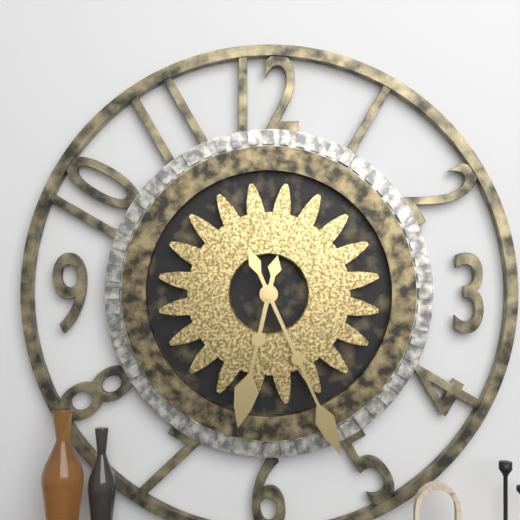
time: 6:26
